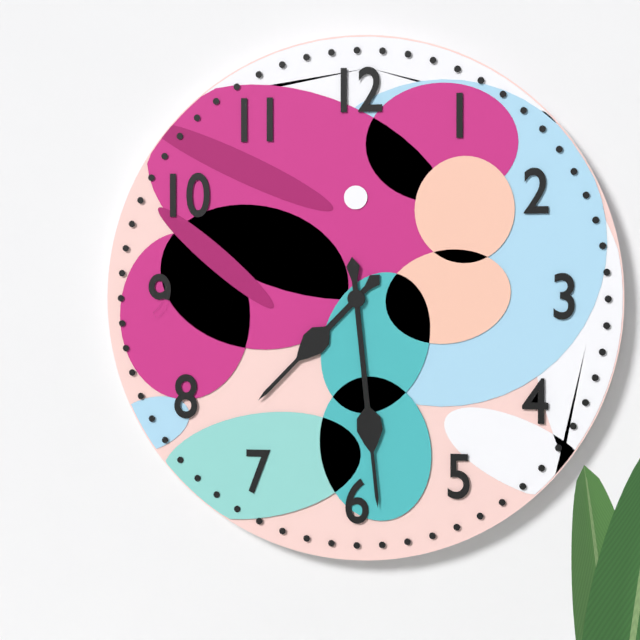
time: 7:29
